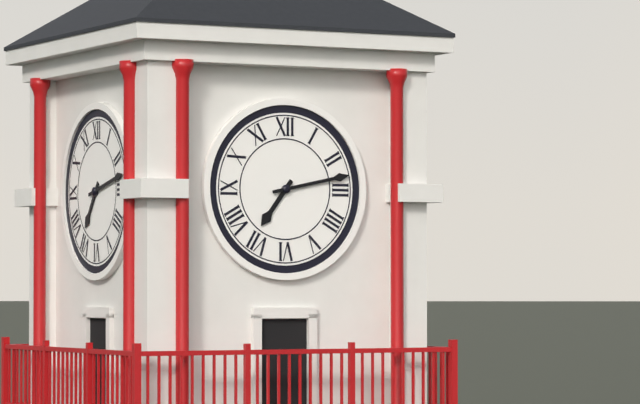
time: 7:13
